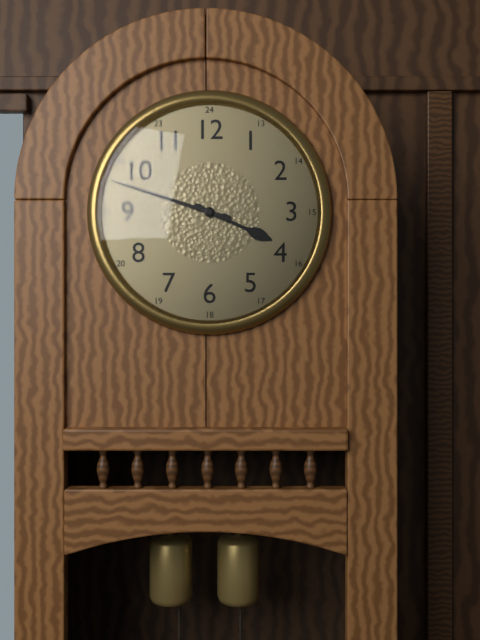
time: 3:48
